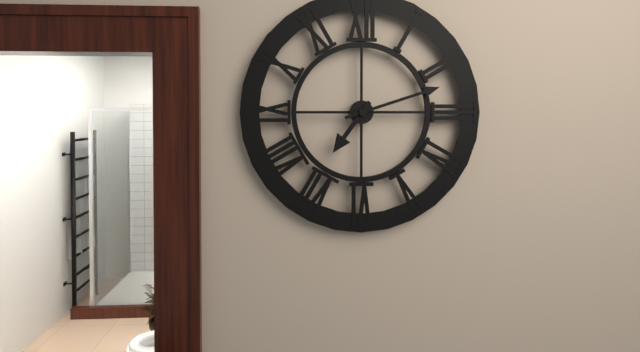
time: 7:12
